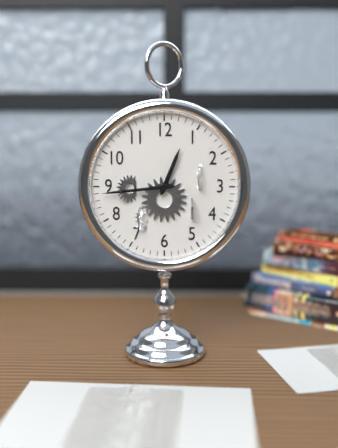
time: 12:44
